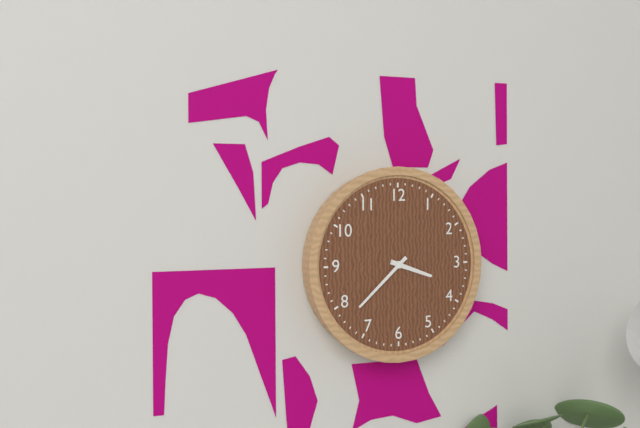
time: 3:38
